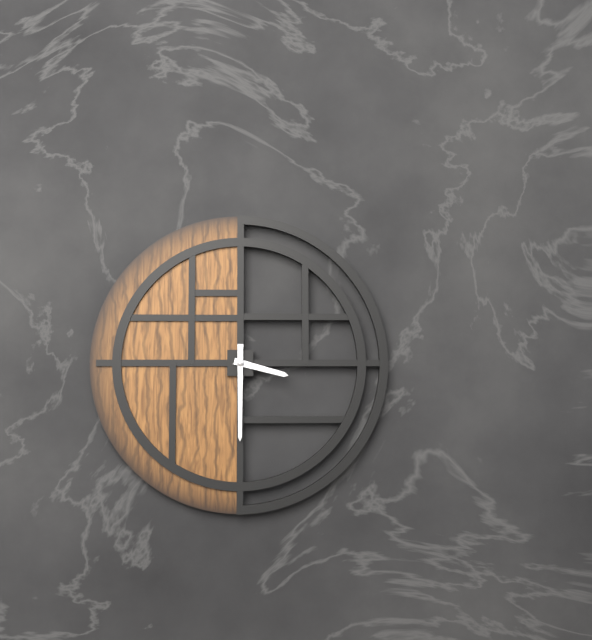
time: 3:30
